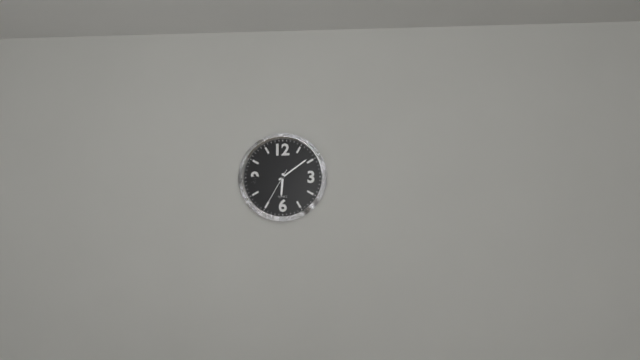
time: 6:09
